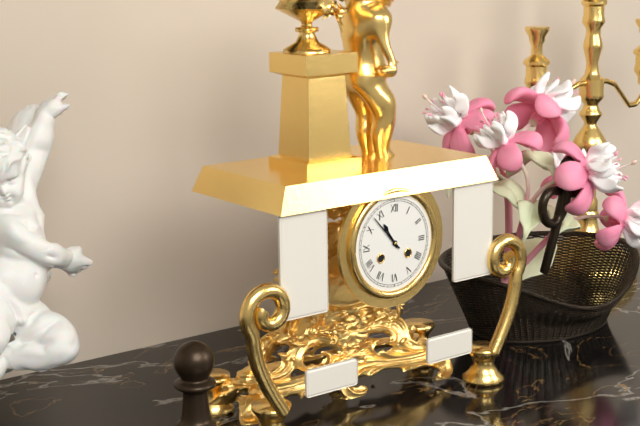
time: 10:53
